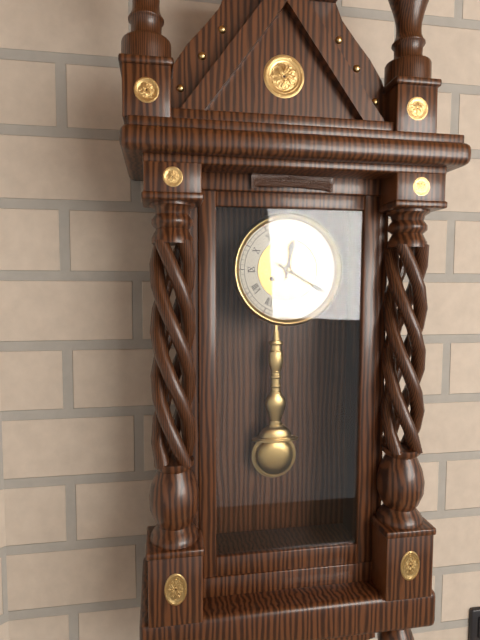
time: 12:20
